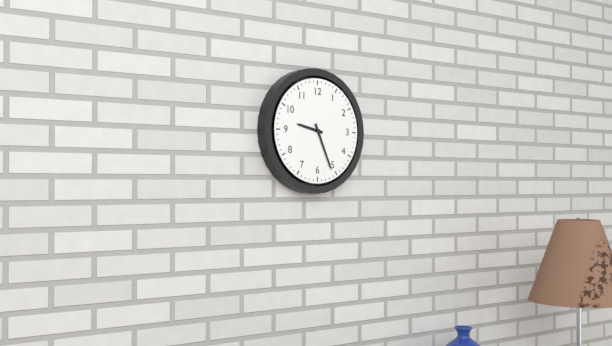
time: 9:26
